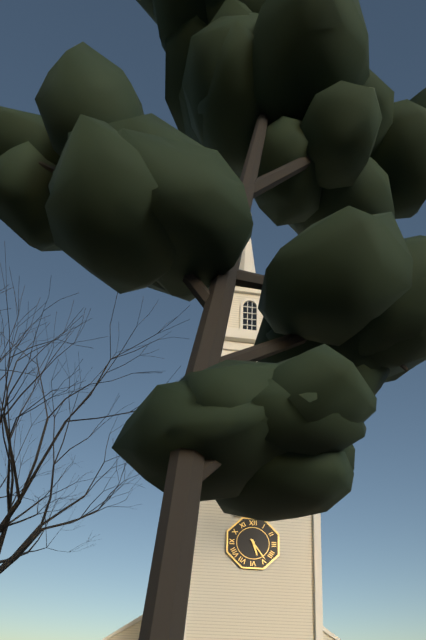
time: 5:24
